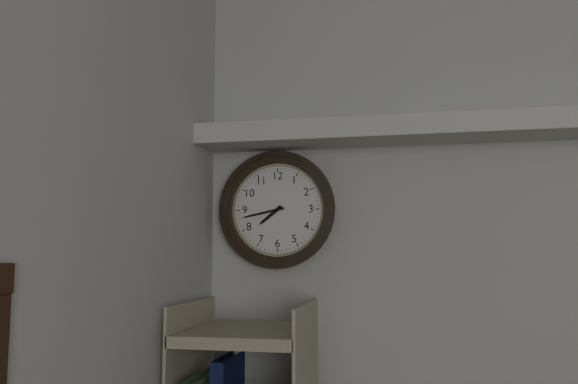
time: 7:43
